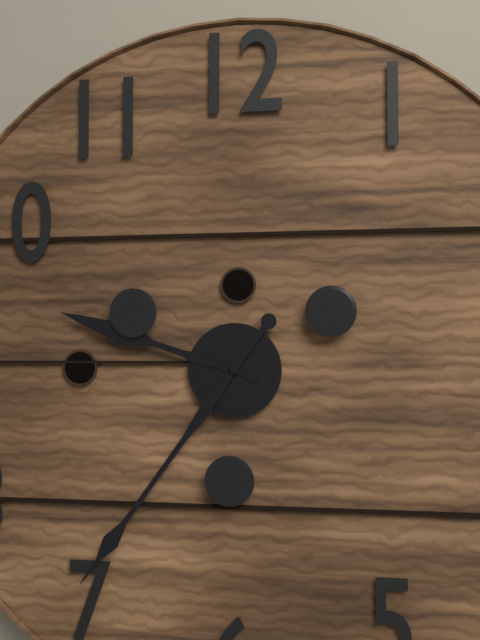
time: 9:36
